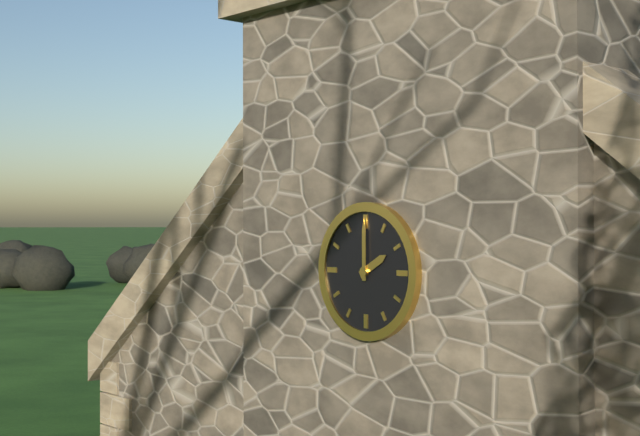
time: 2:00
